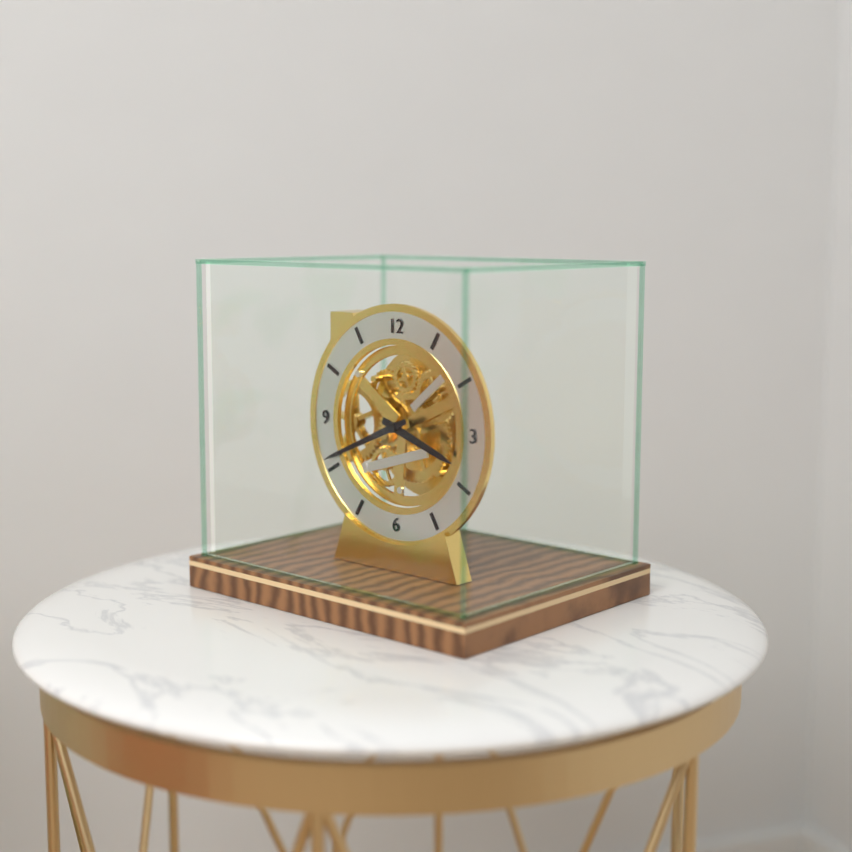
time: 3:41
